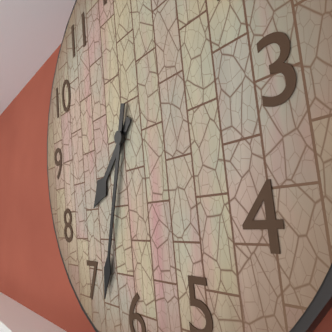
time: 7:33
